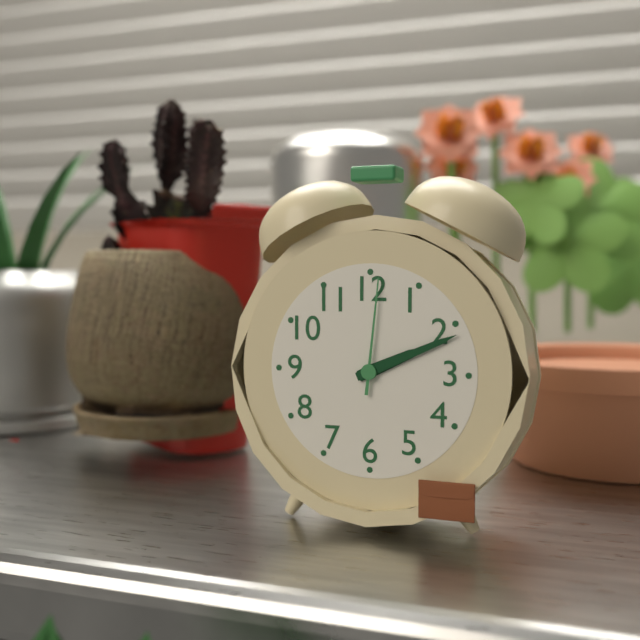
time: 2:11:01
